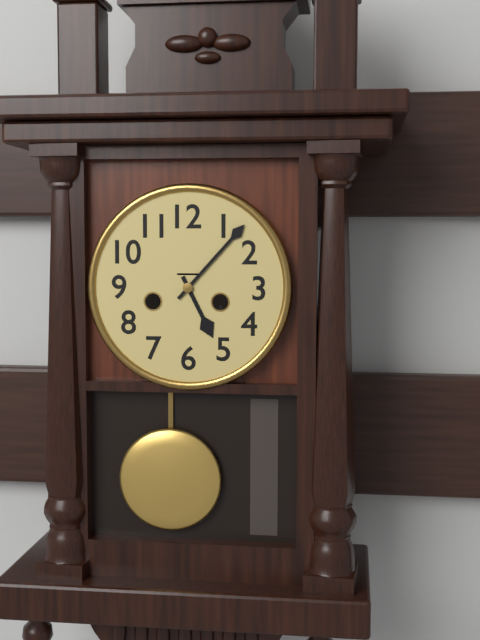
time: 5:07
